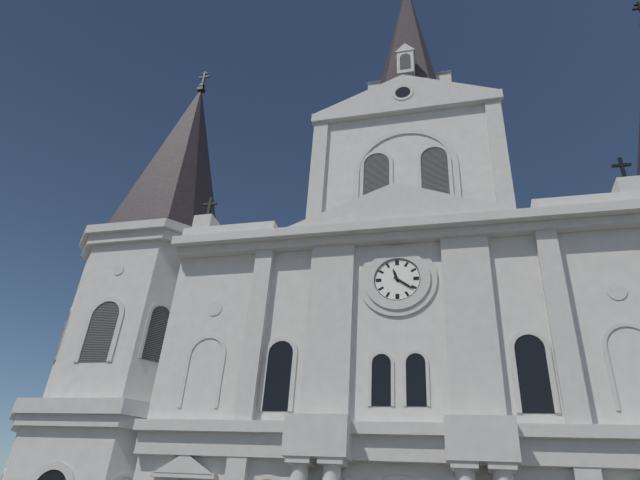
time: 11:21
